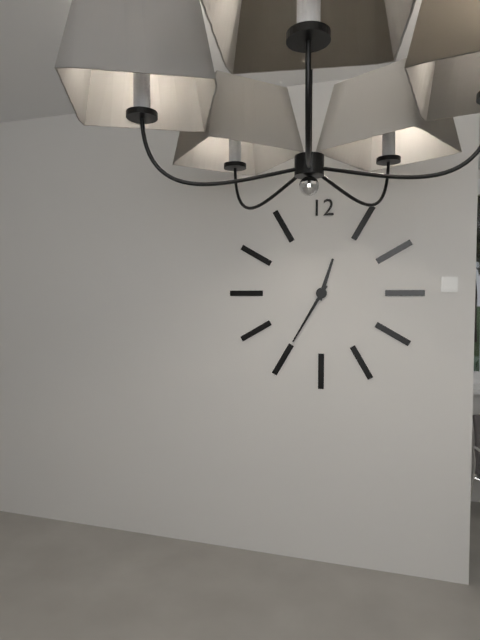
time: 12:35
